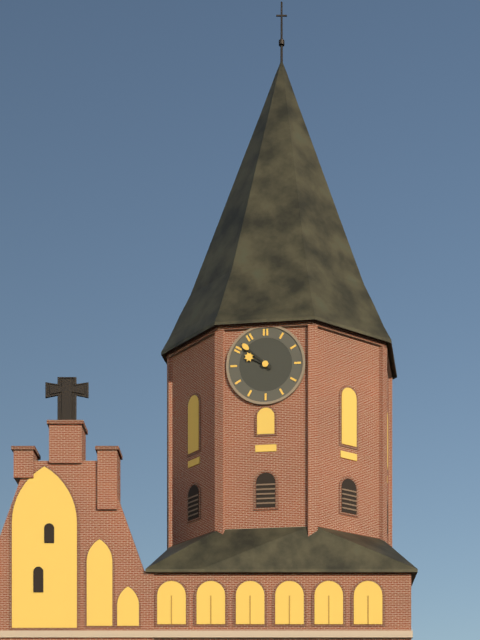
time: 9:52
